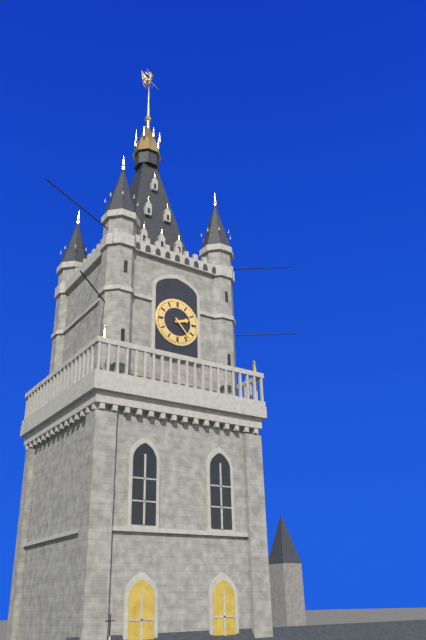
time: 2:23
